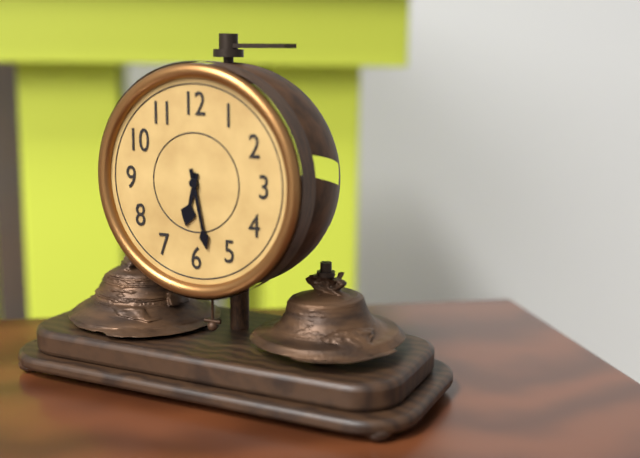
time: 6:28
